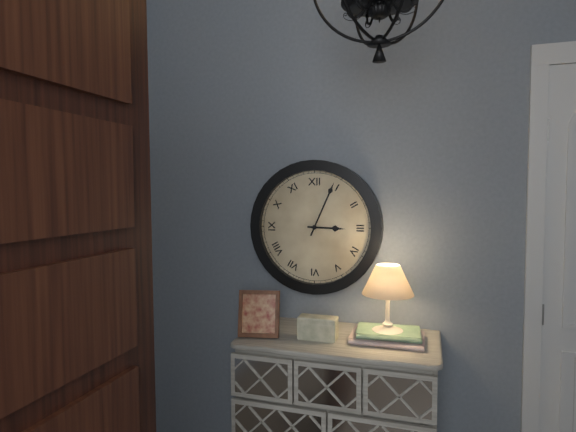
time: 3:04
